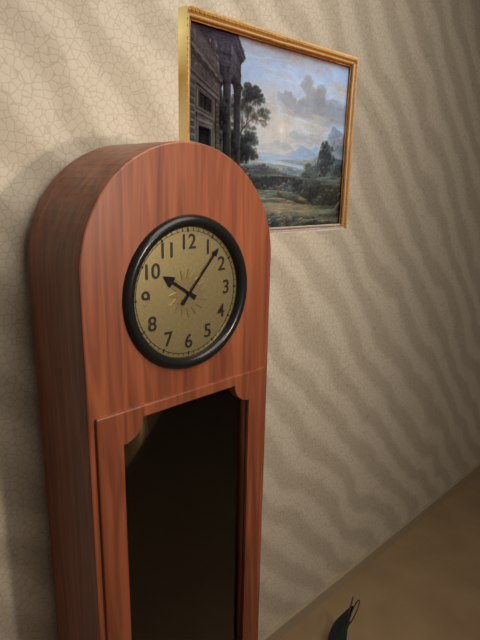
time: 10:07
